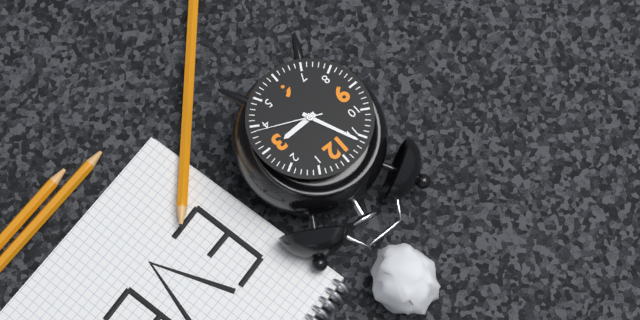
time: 2:56:19
